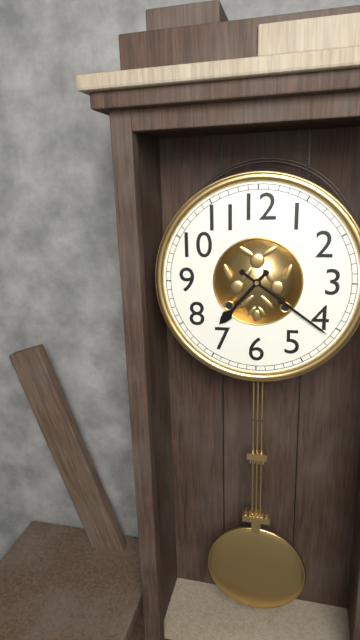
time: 7:21
